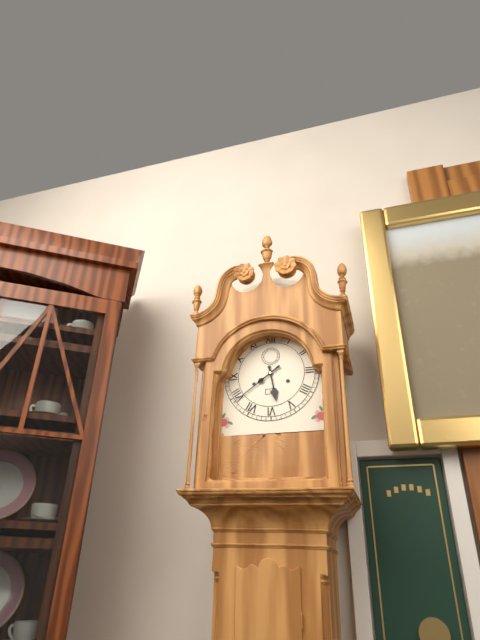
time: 5:39
